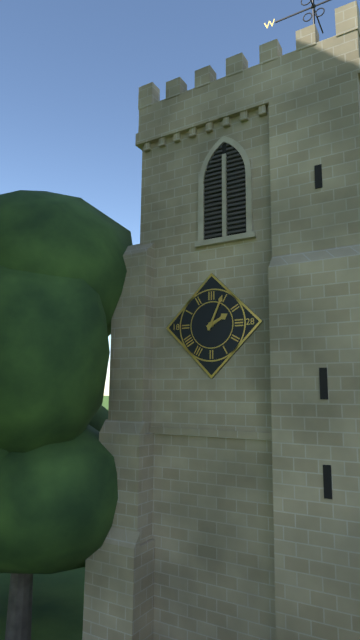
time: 2:04
